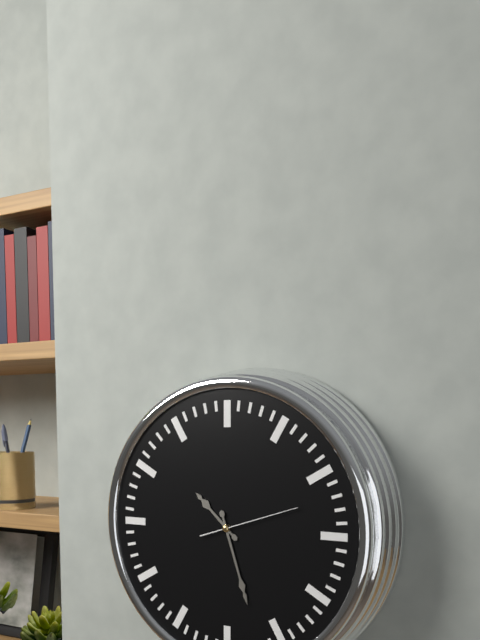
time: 10:27:12
